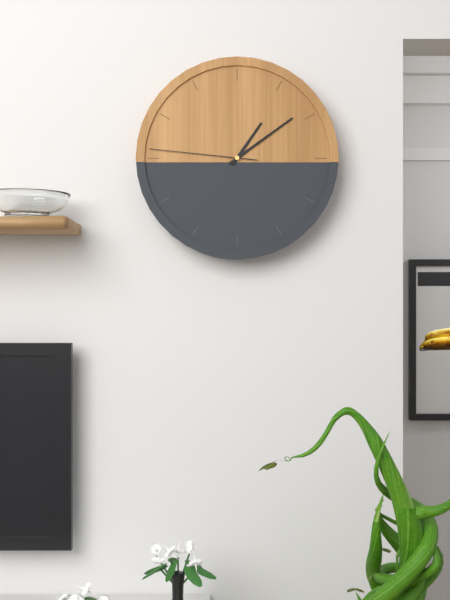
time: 1:09:46
